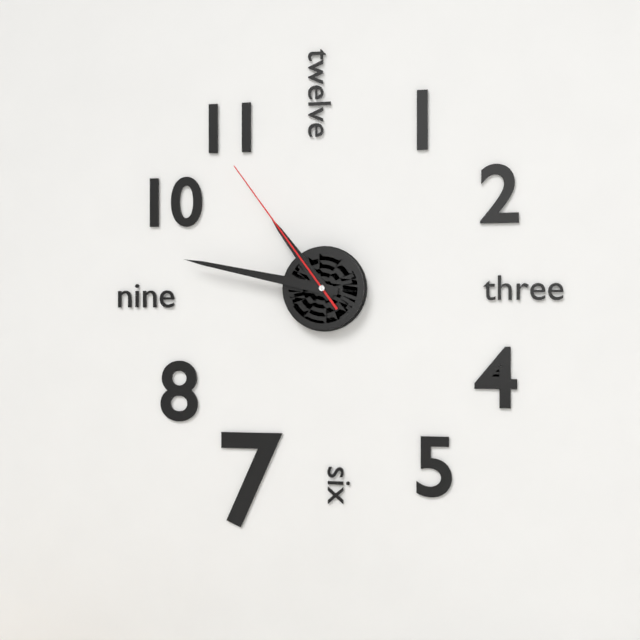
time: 10:47:54
